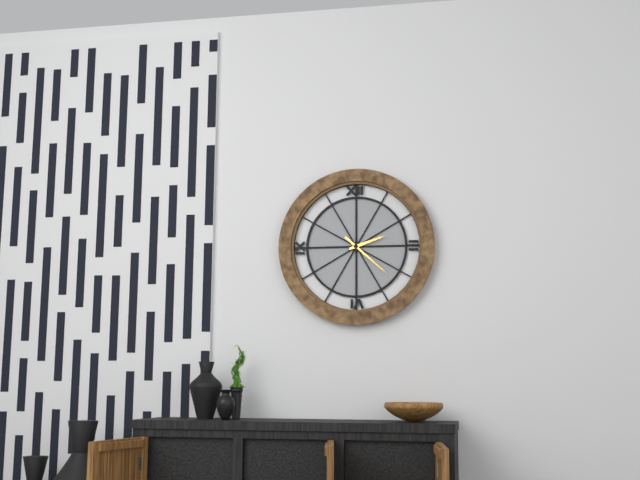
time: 2:22
